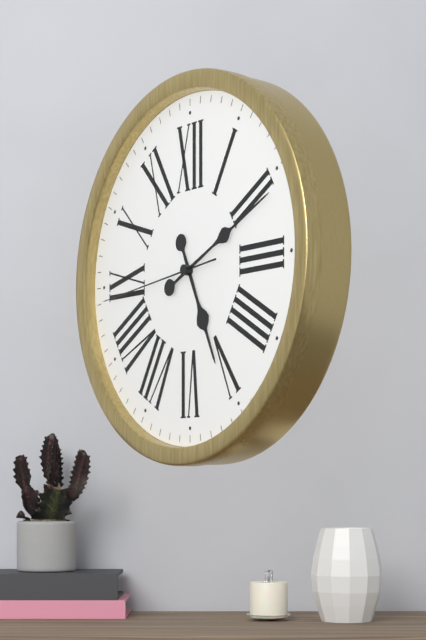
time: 5:11:44
